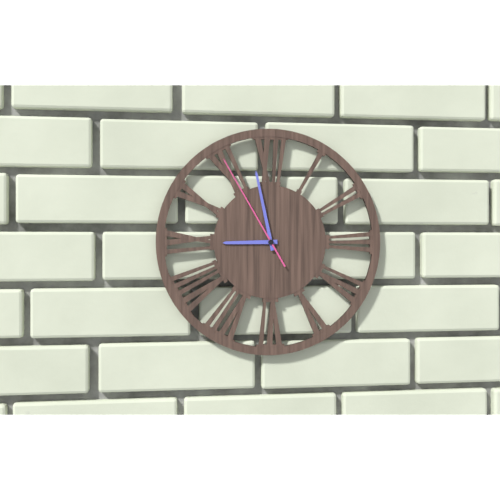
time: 8:58:55
